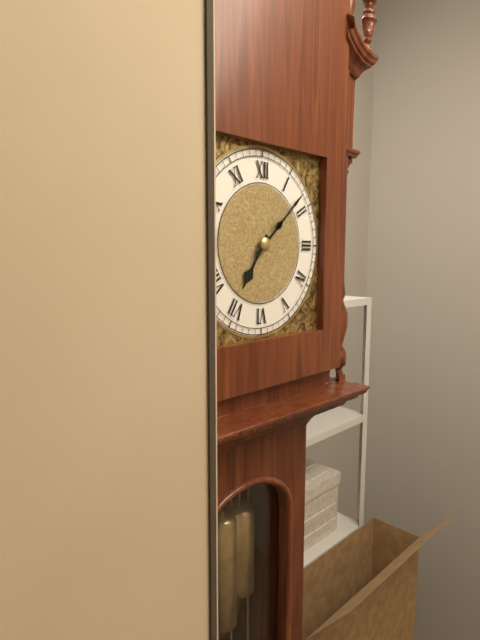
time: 7:08
